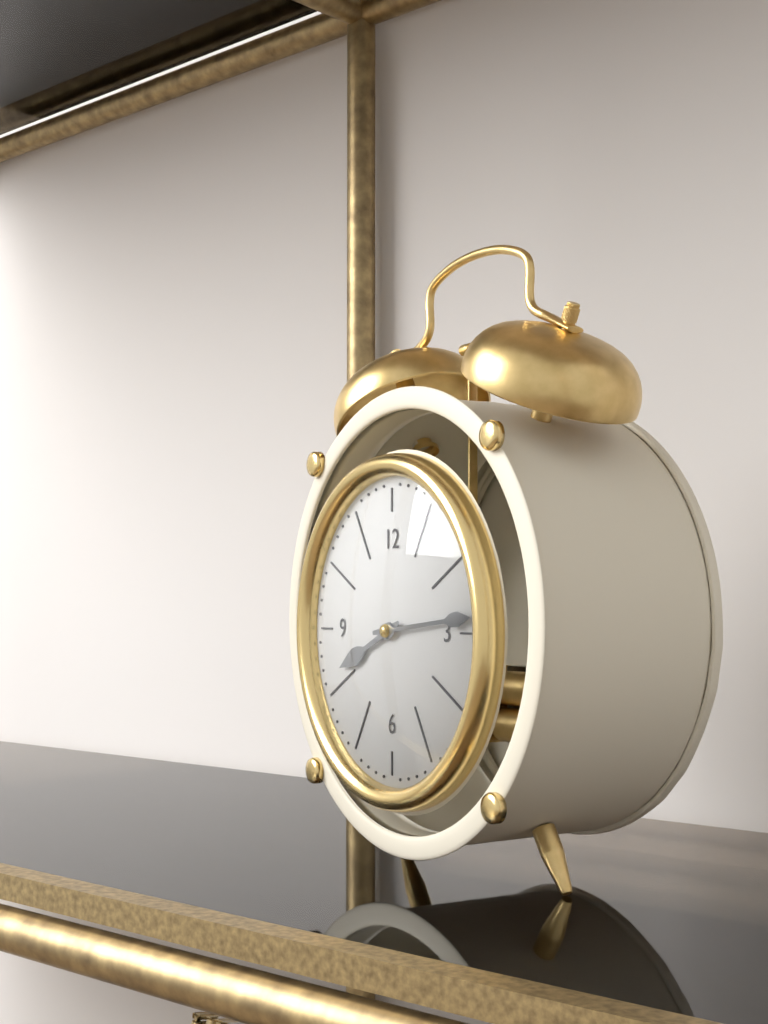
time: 8:14
